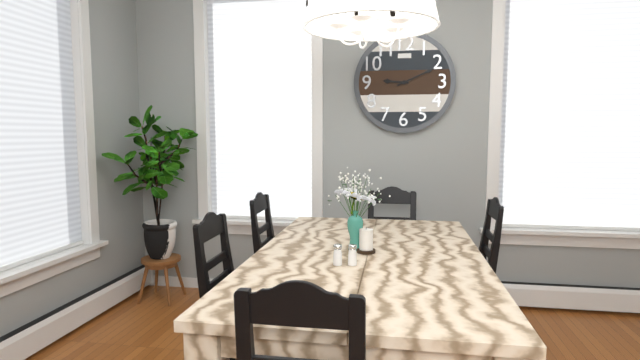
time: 9:11
